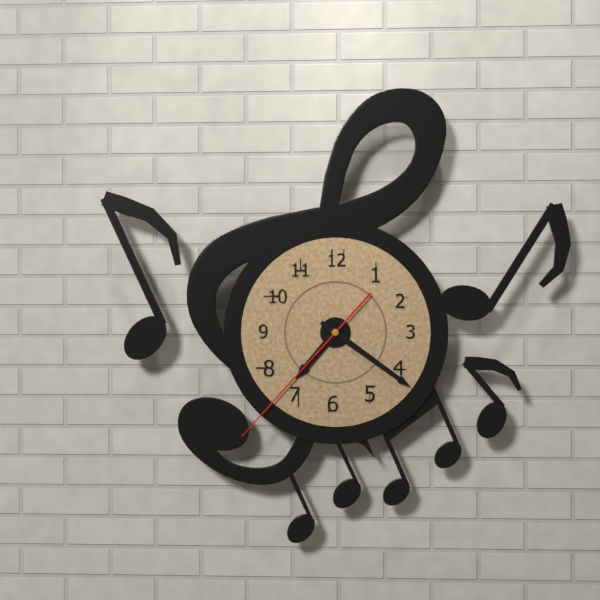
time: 7:21:37
